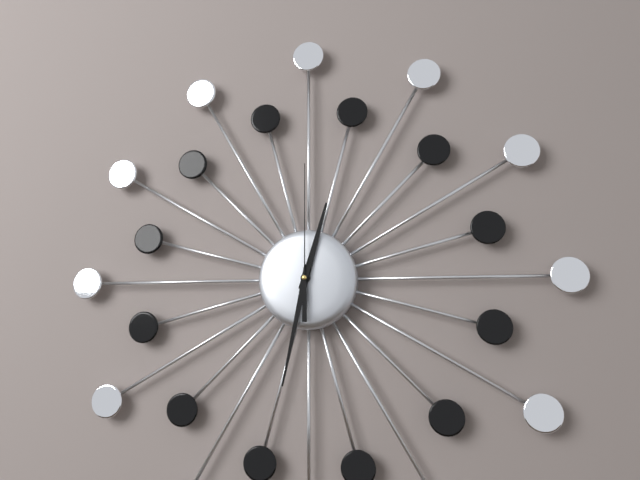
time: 12:32:00
